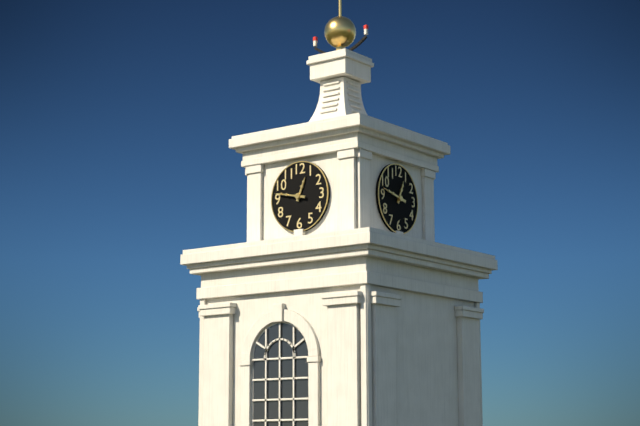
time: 12:47
